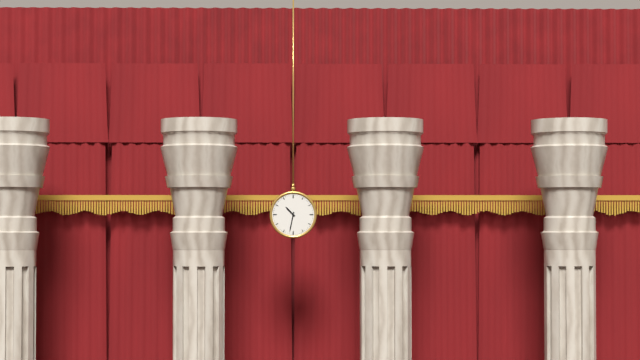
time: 10:32
